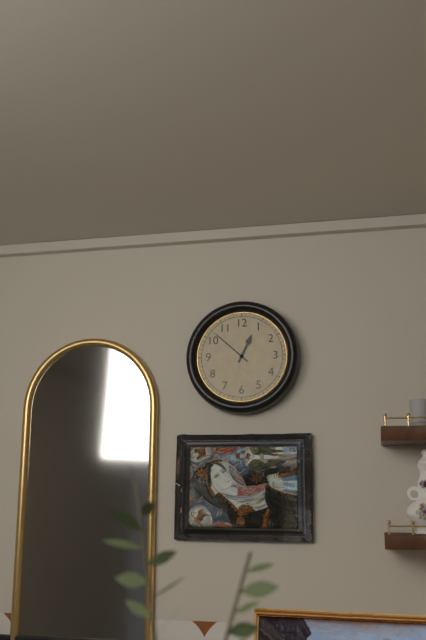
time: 12:52
